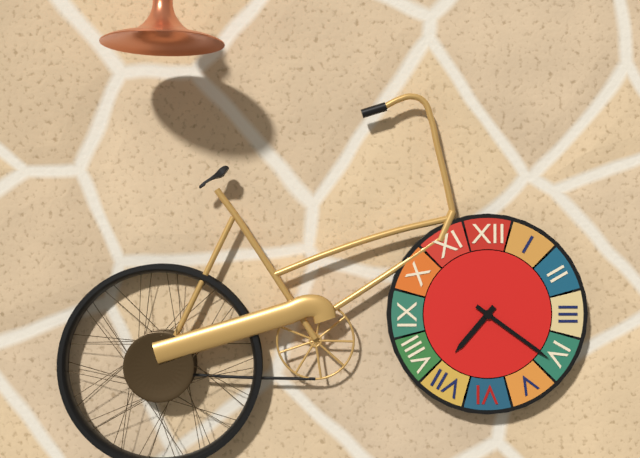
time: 7:21
